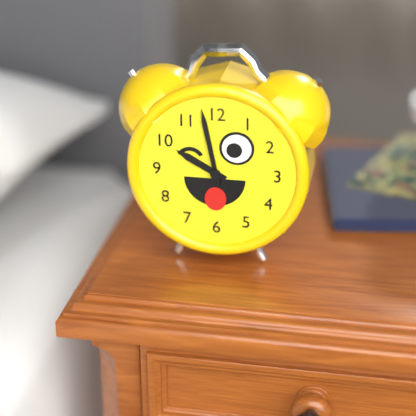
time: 9:58
